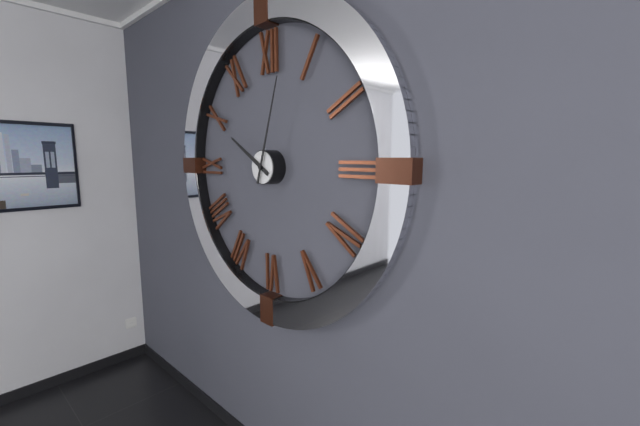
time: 10:03
